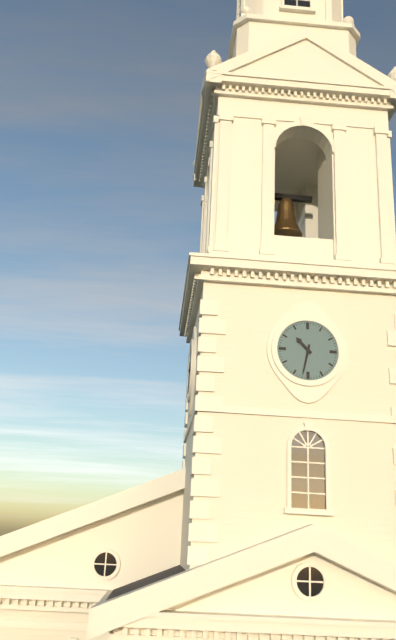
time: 10:32
